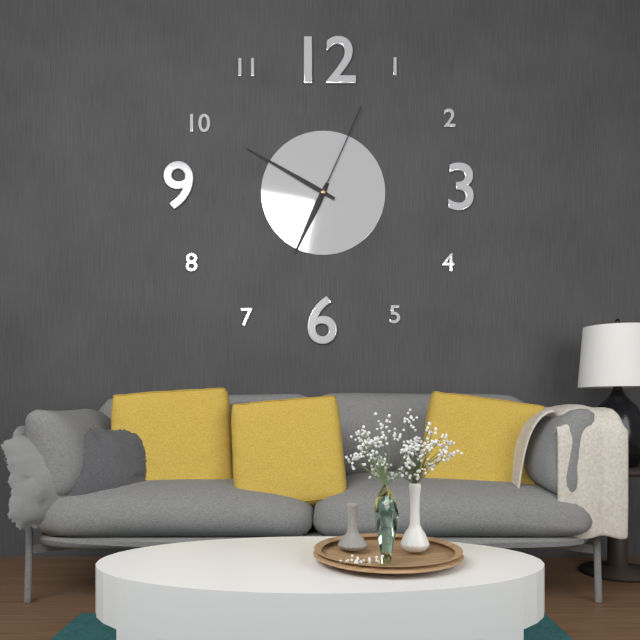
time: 6:50:04
